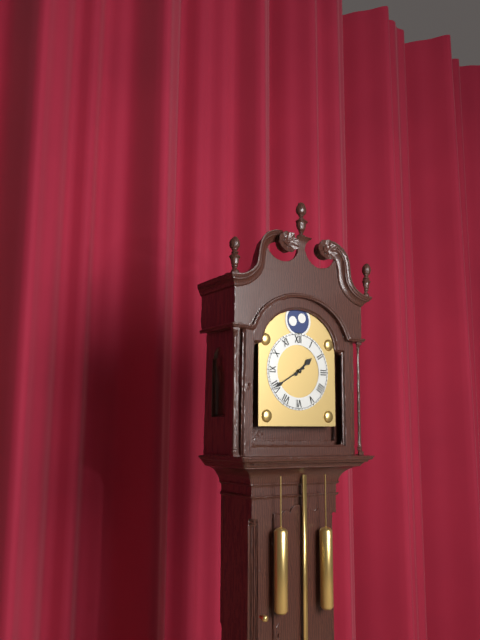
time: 1:40
